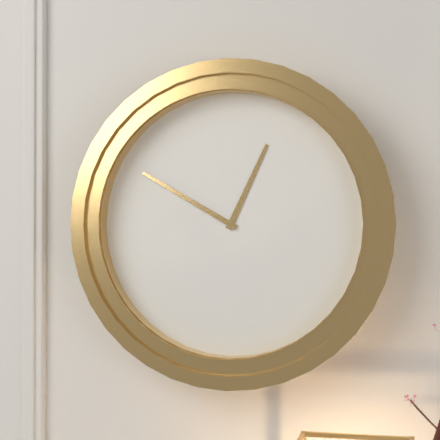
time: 12:50
